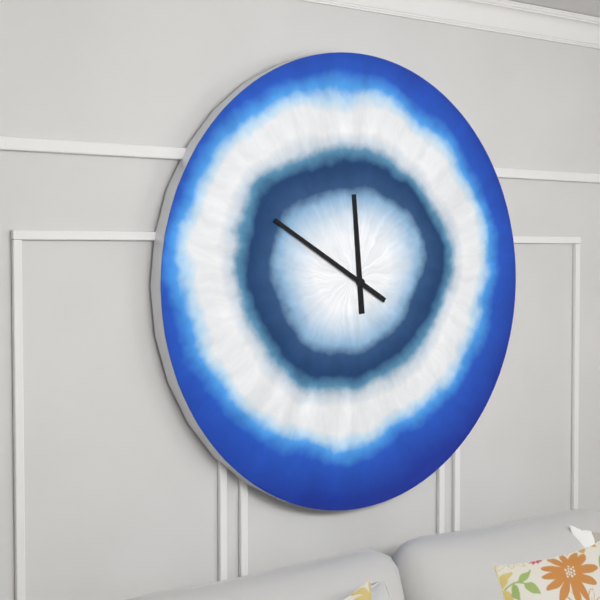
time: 11:50
